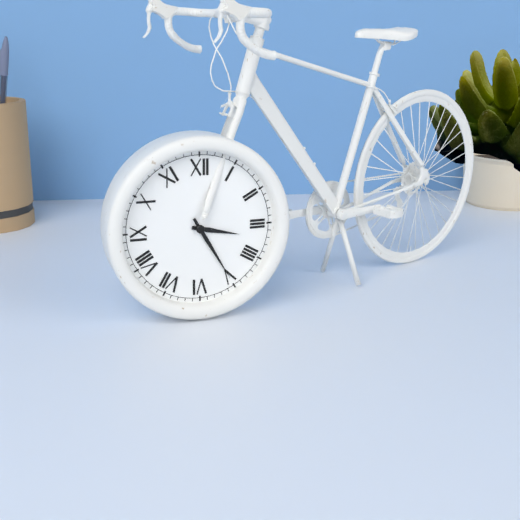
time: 3:25
